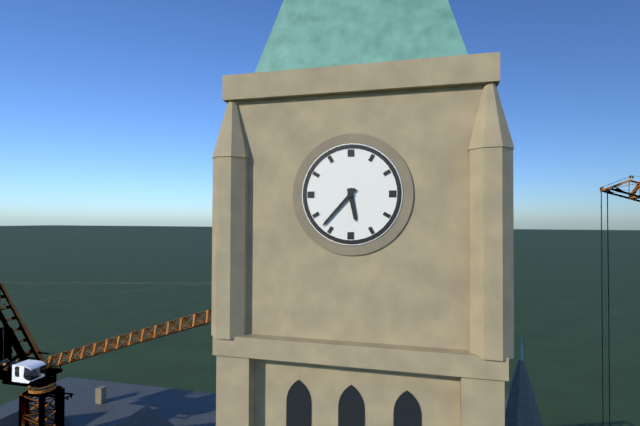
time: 5:37
